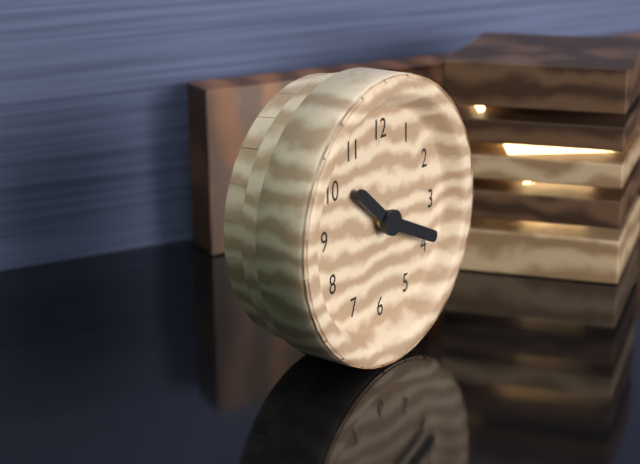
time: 10:19
